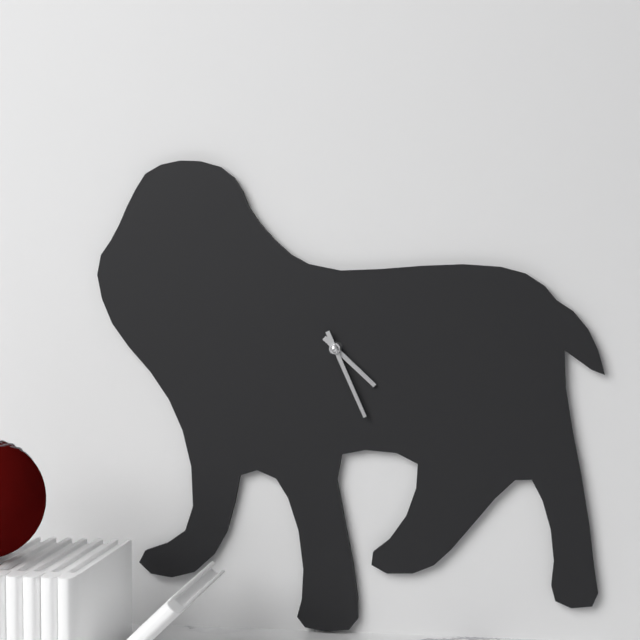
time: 4:26
